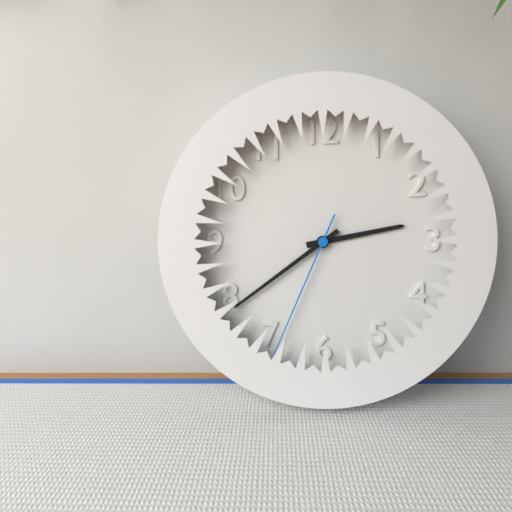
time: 2:39:34
